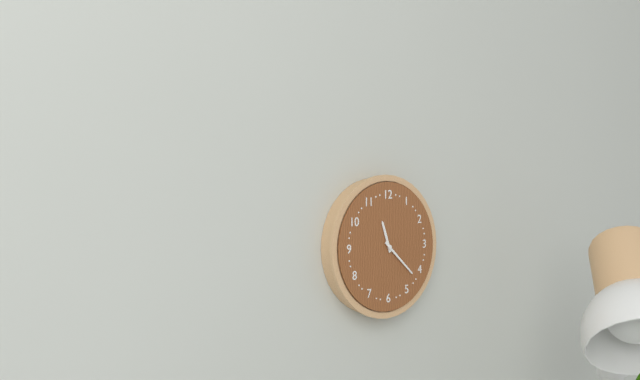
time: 11:22
